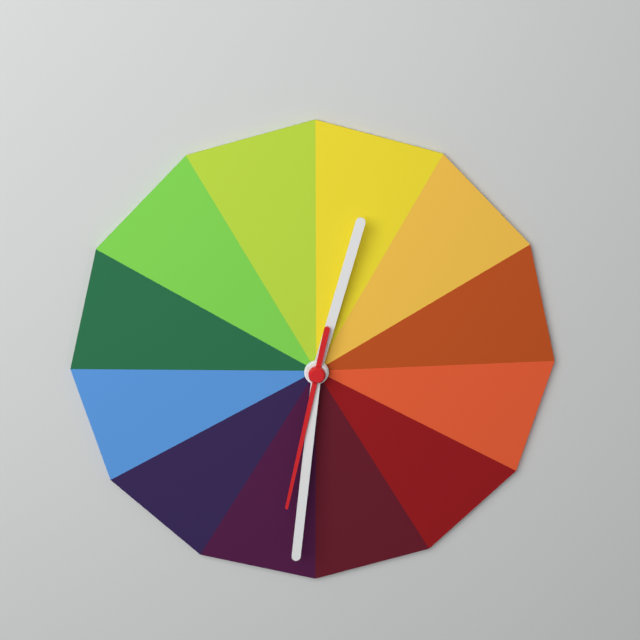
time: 12:31:32
